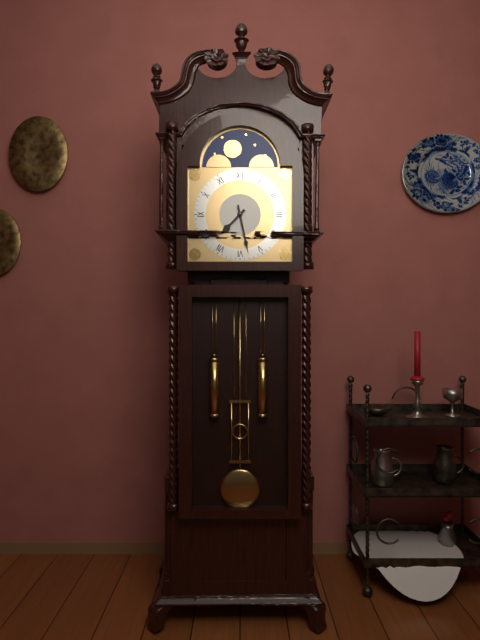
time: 7:28
